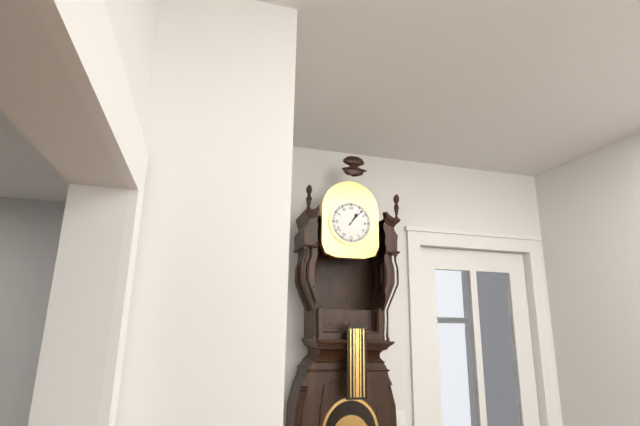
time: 1:07
